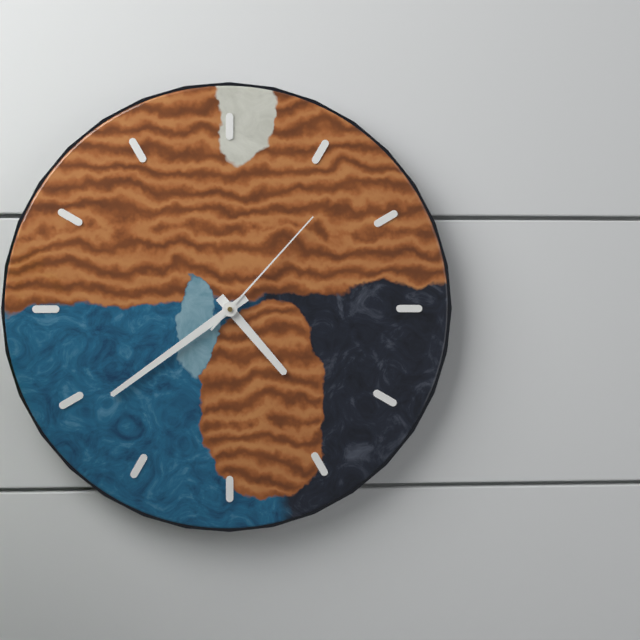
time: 4:39:07
